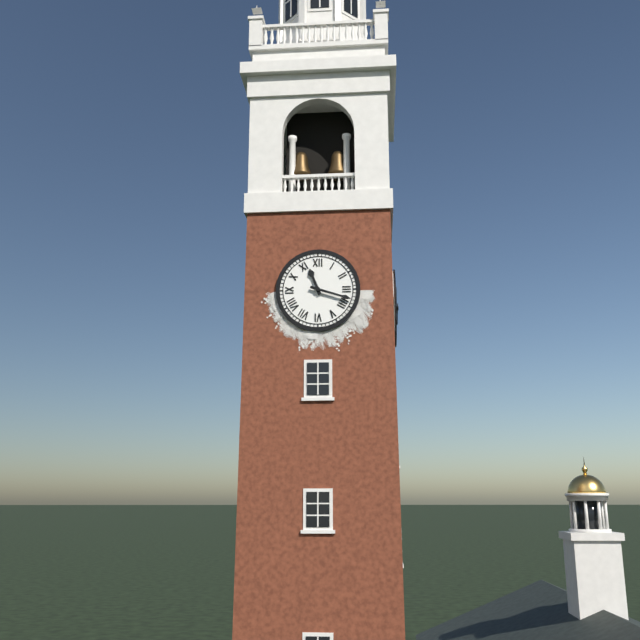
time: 11:18
